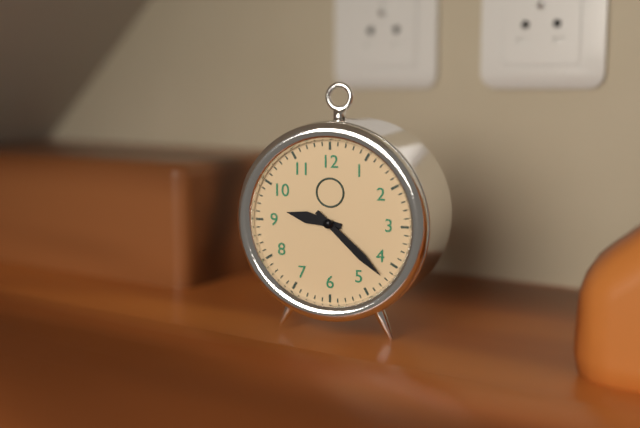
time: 9:22
